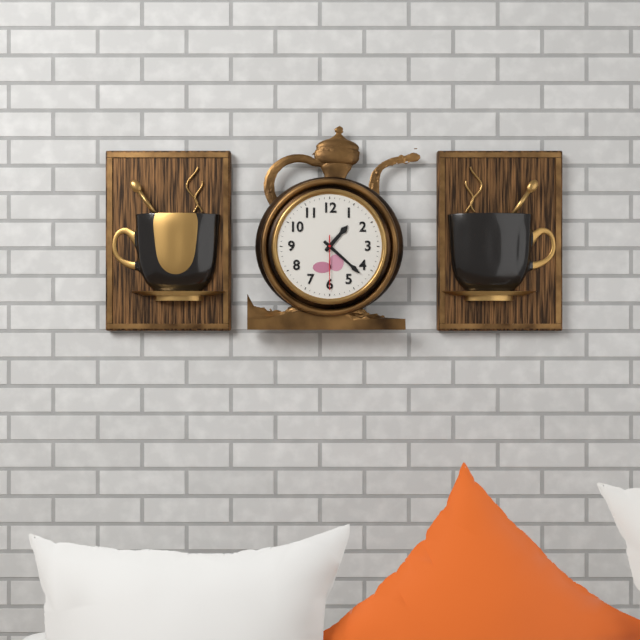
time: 1:22:30
